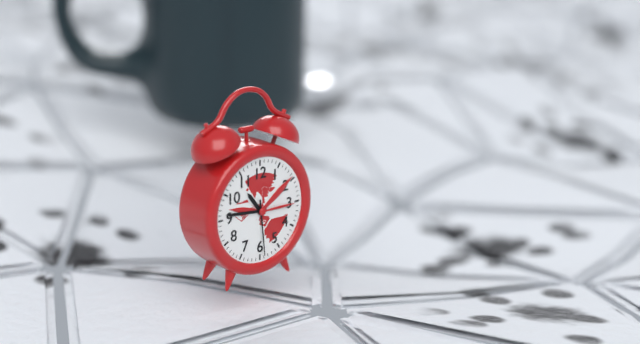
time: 10:46:29
